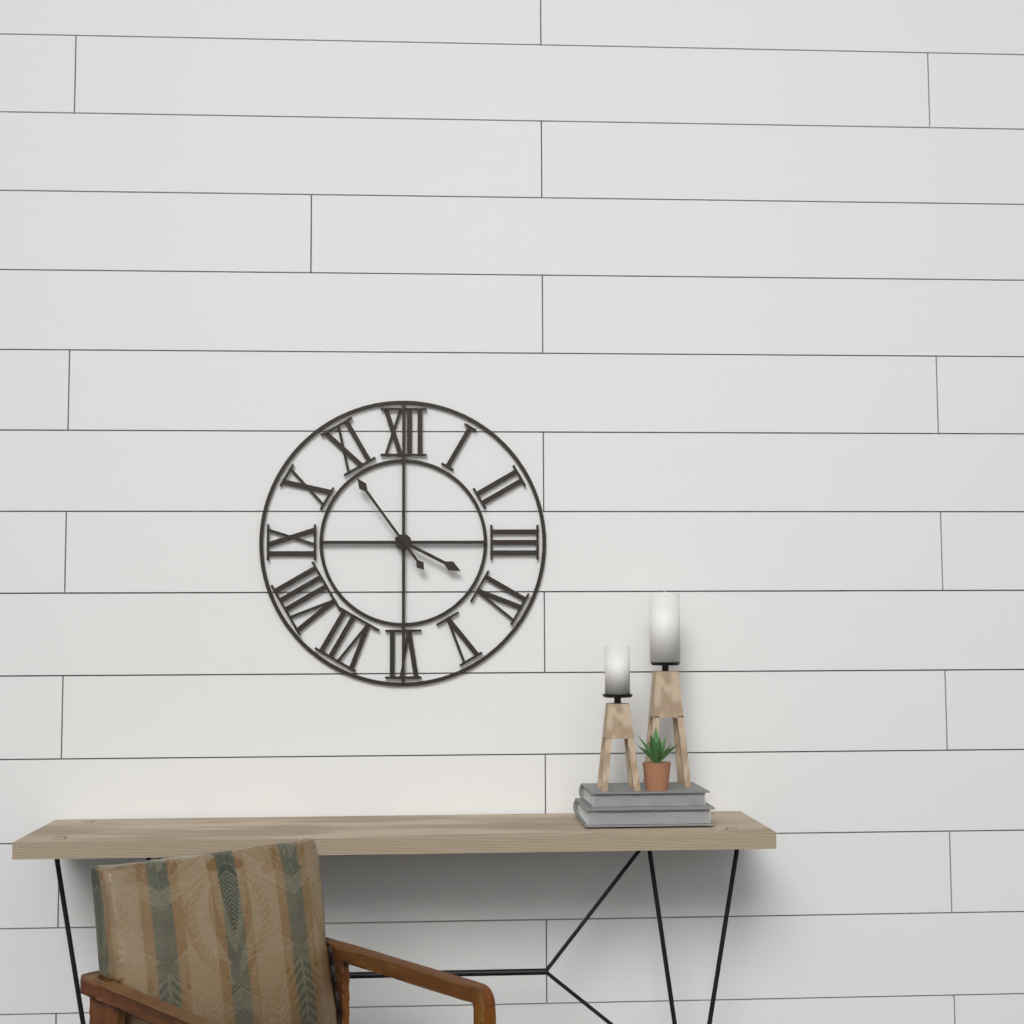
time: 3:54
